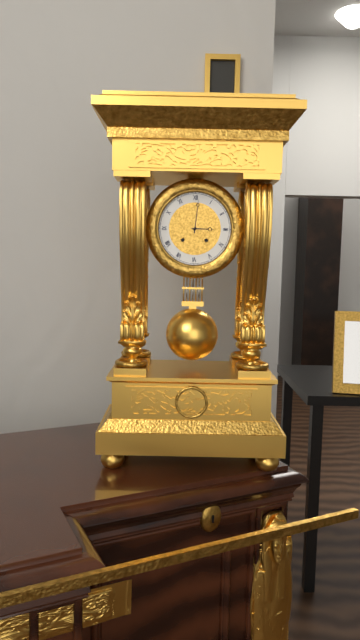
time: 3:01
